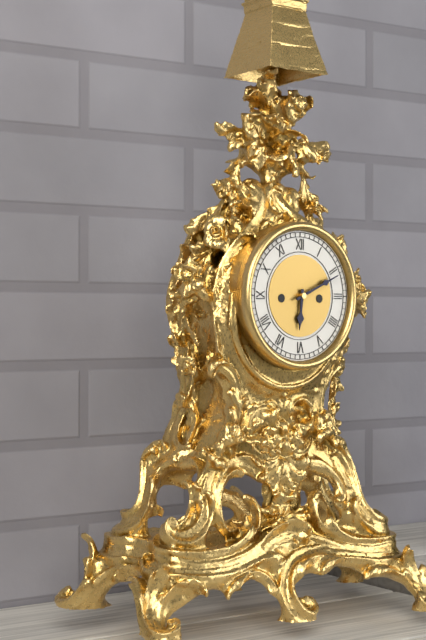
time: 6:11
